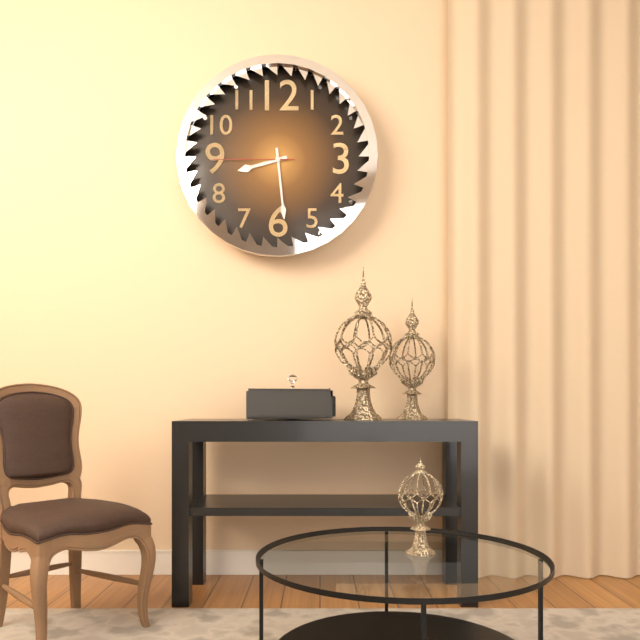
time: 8:29:45
